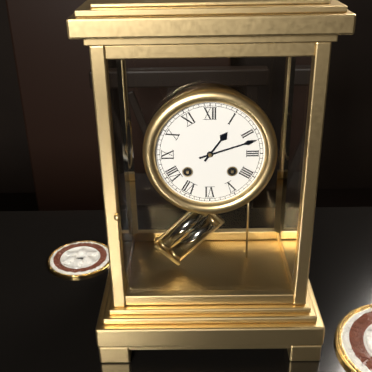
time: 1:12
